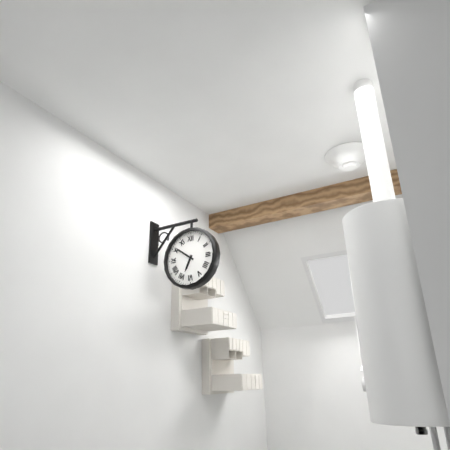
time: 6:51
